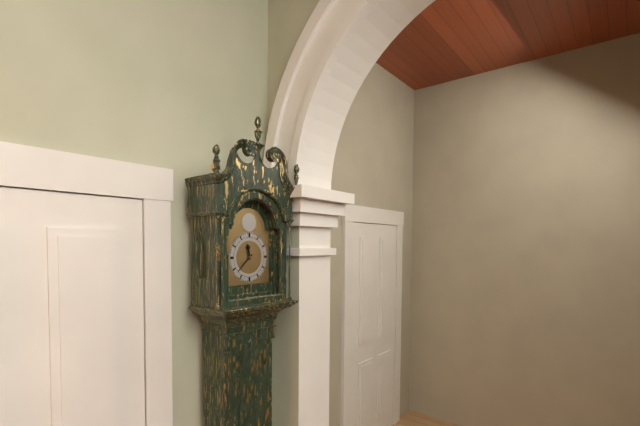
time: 11:38
